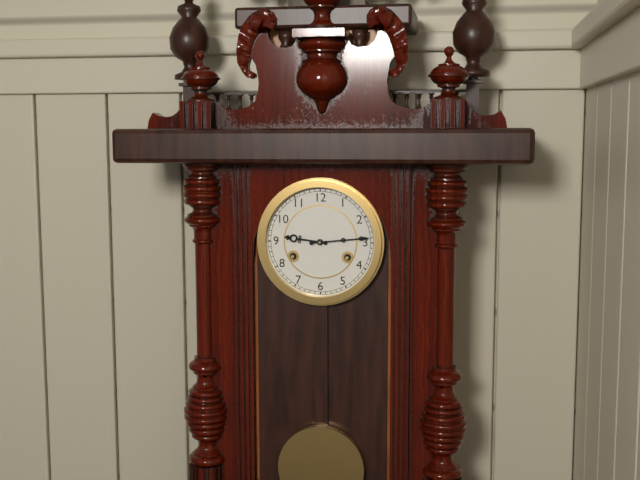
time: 9:14
